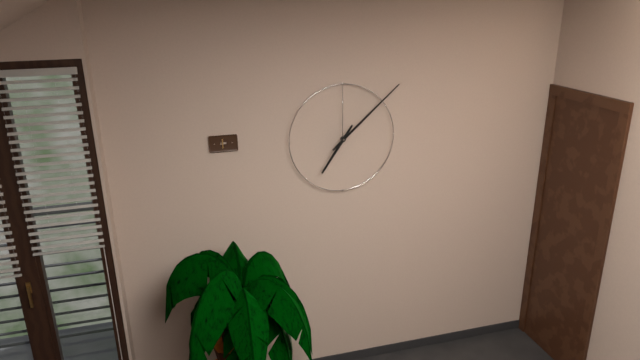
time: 7:08
